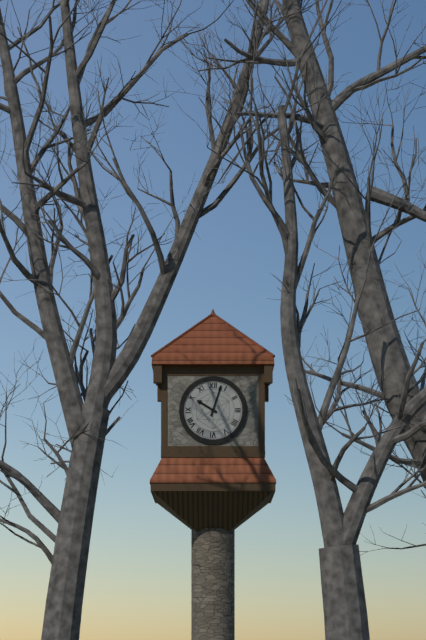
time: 10:03
